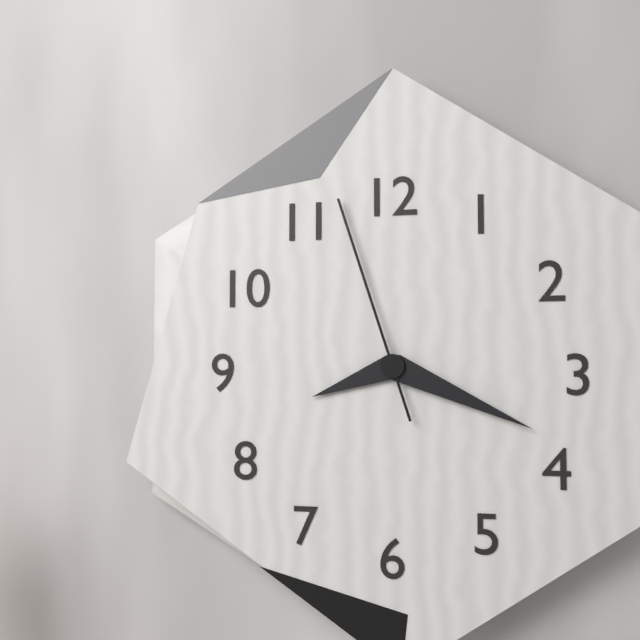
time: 8:19:57
